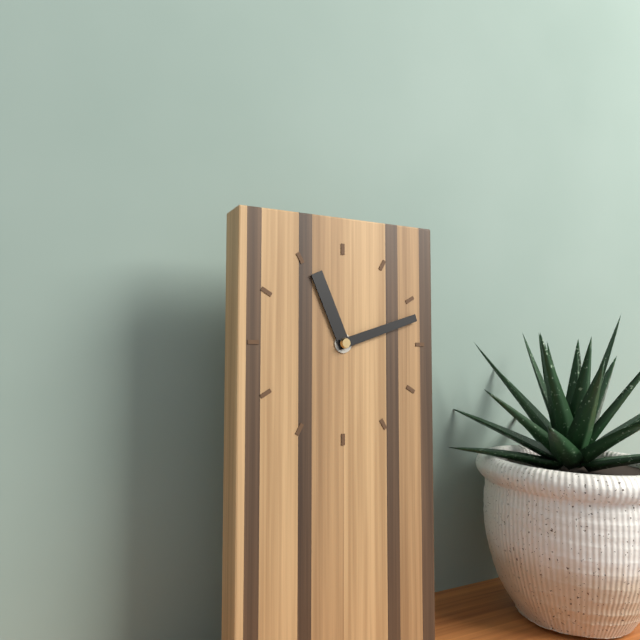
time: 11:12
